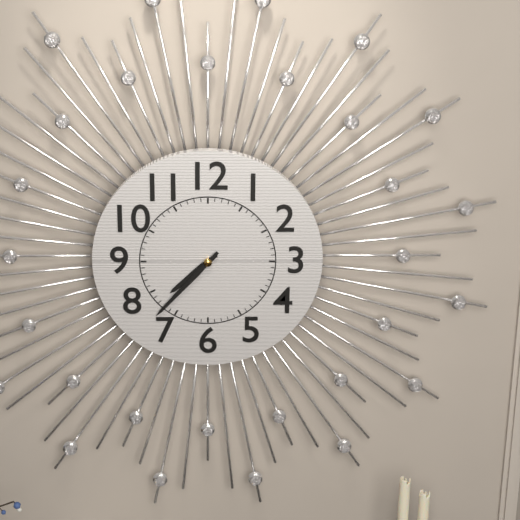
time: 7:37
